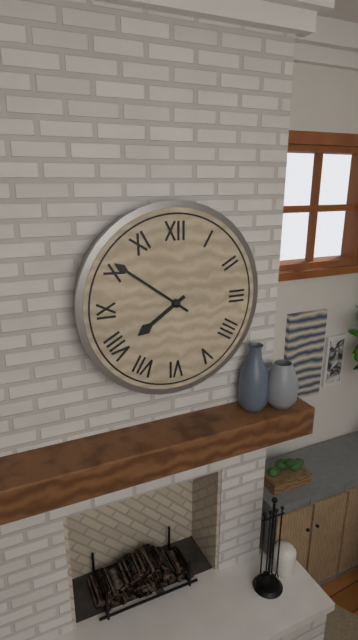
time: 7:51
